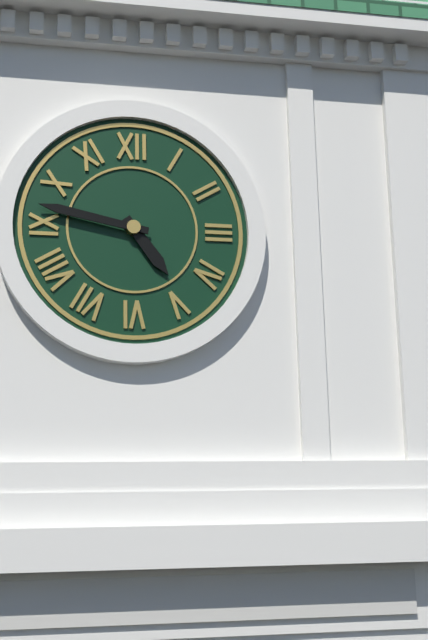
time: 4:47
